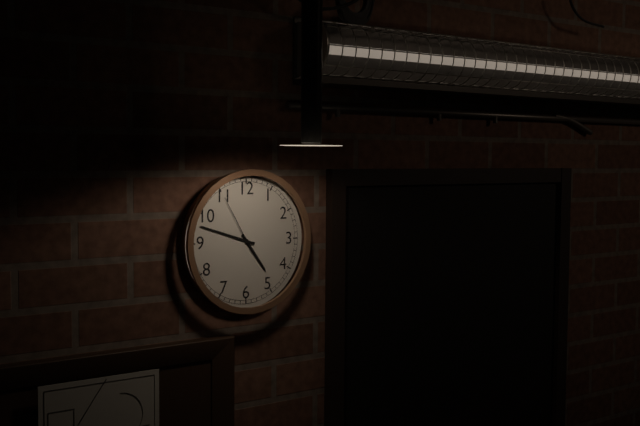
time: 4:48:55
